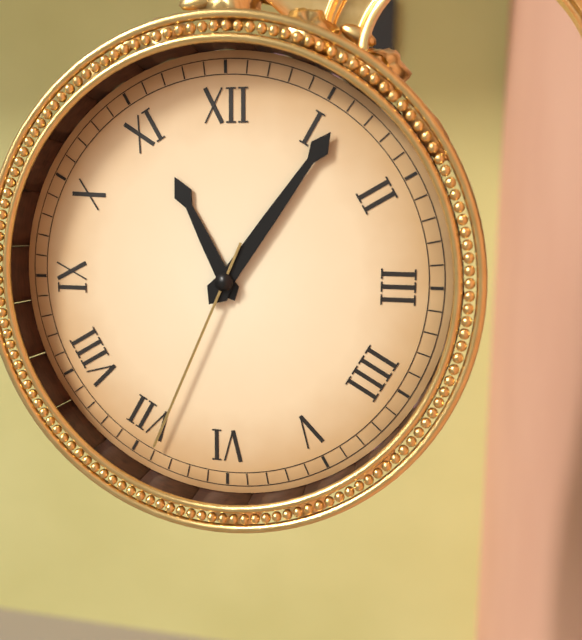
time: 11:06:34
